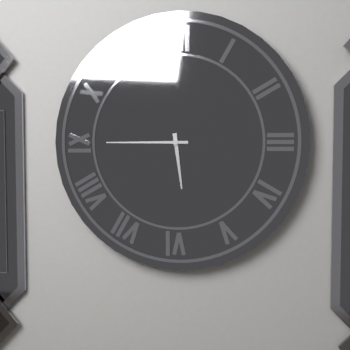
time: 5:45
